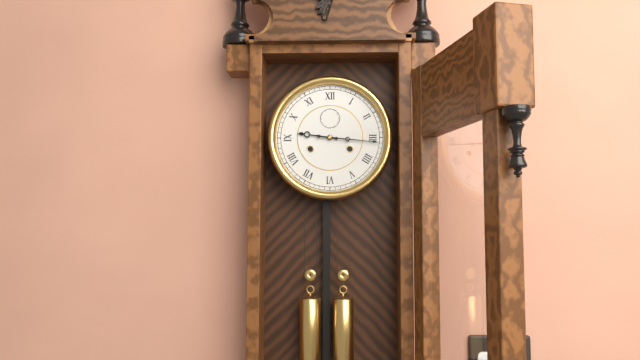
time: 9:16
